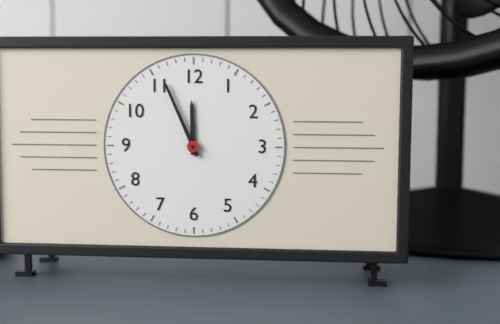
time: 11:56
